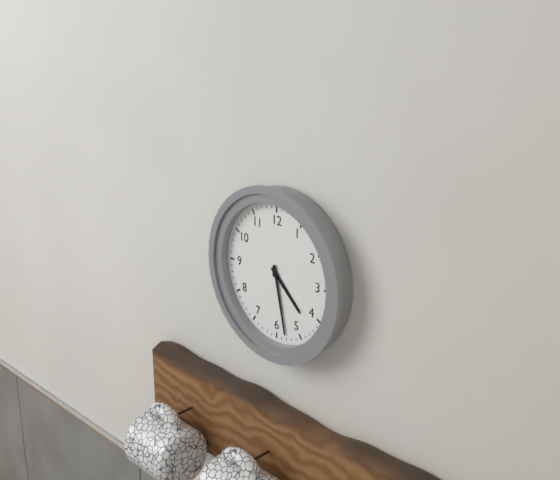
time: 4:28
